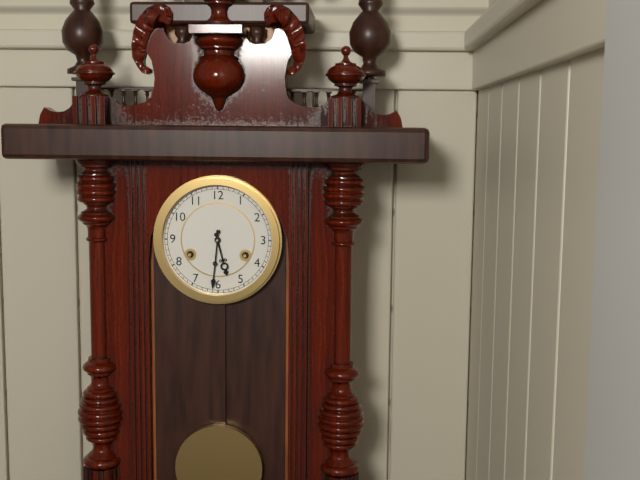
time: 5:31
